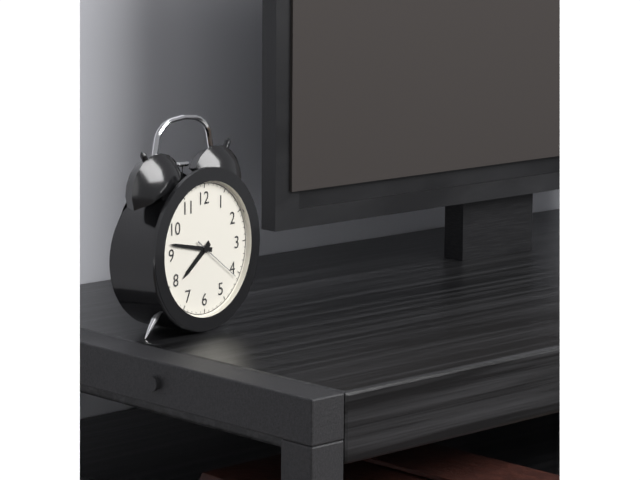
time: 7:47:21
